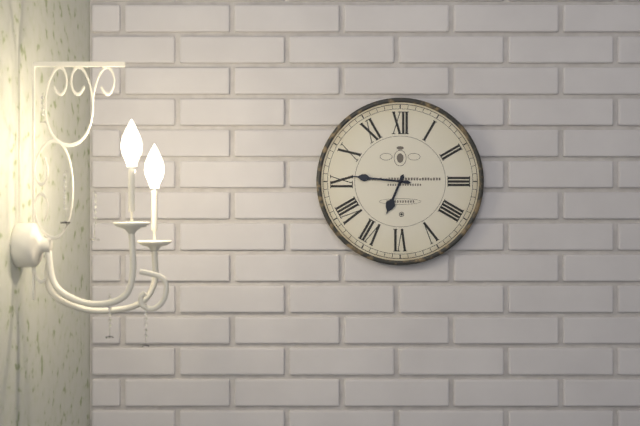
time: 6:46
